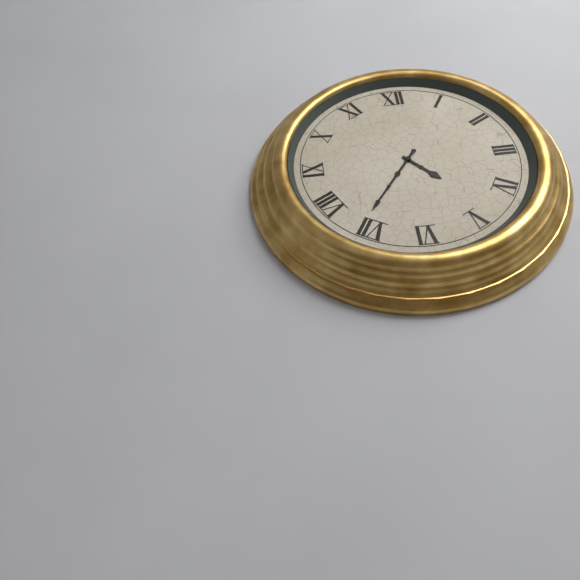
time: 4:36
